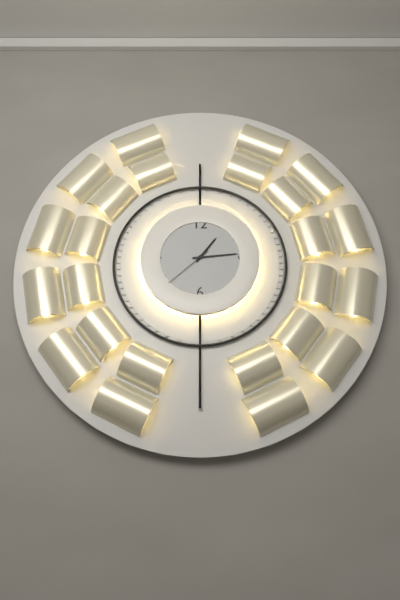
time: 1:14:38
